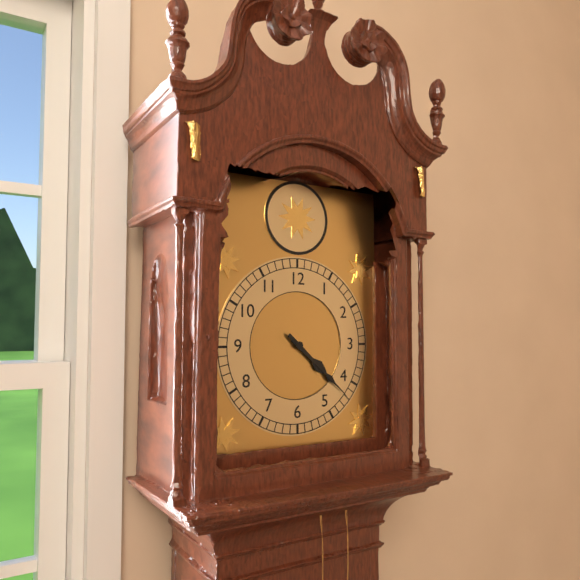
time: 4:22
